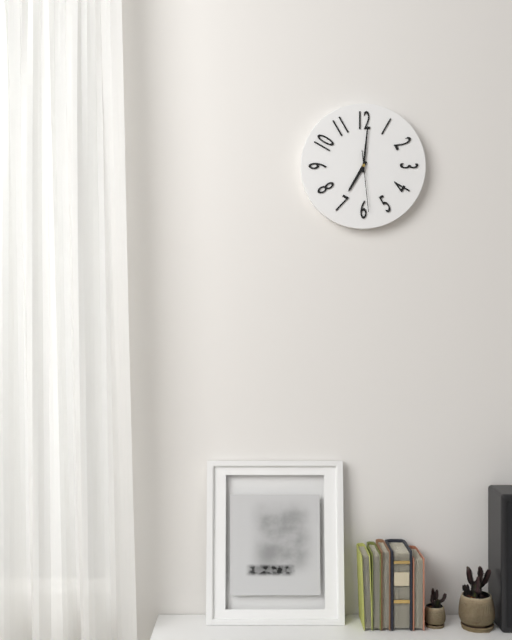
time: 7:01:29
